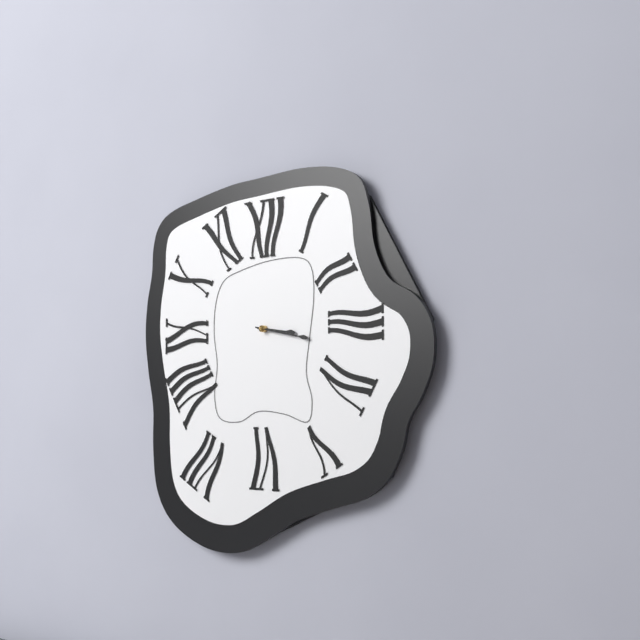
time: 3:17
